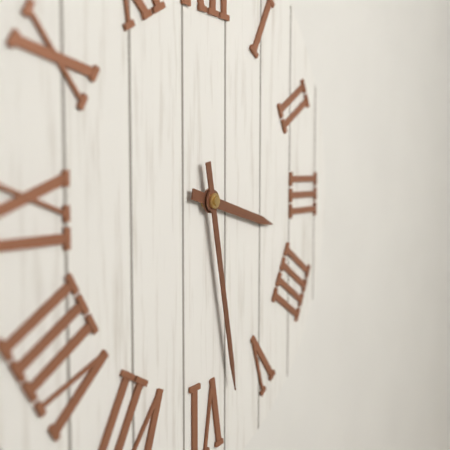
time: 3:28
